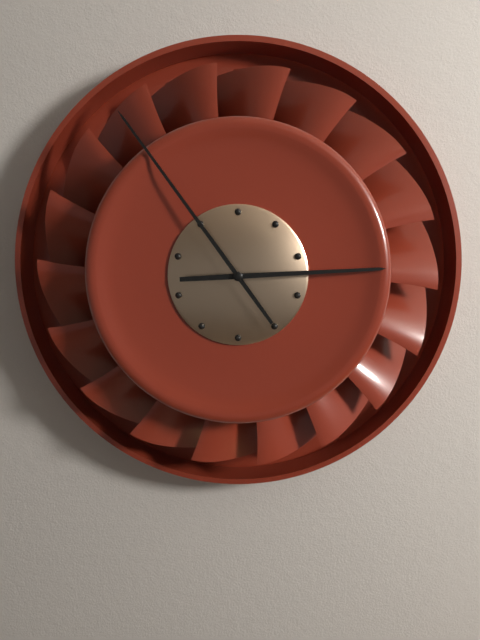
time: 2:54
